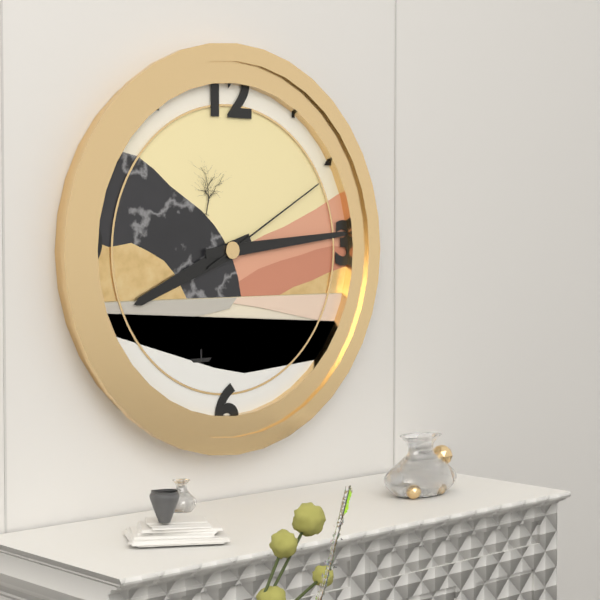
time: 8:14:10
